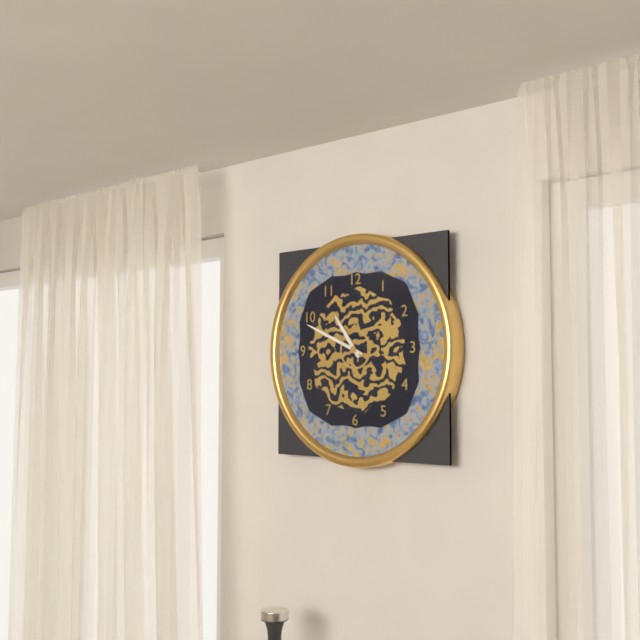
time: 10:49
